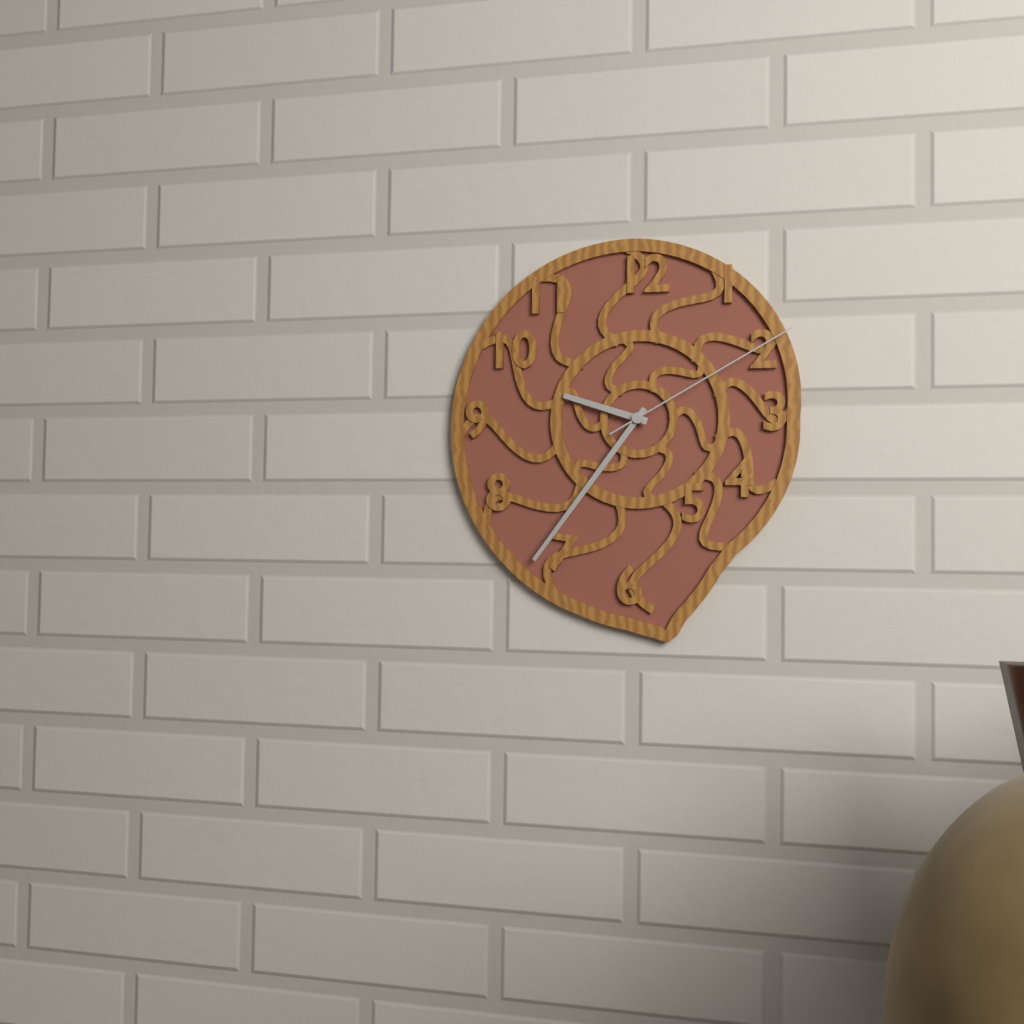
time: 9:36:10
